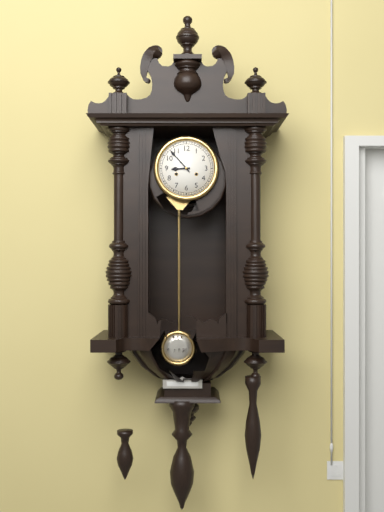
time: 8:53
